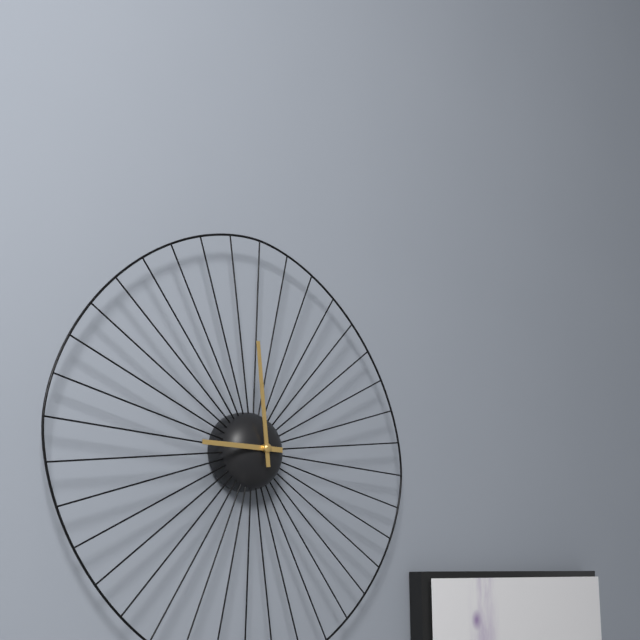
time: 8:59
